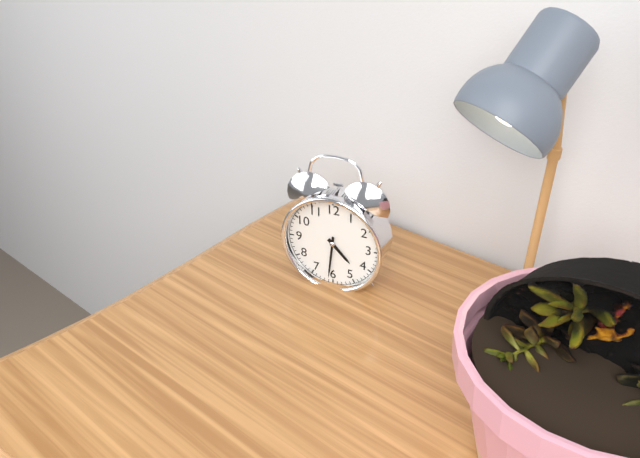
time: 4:31
